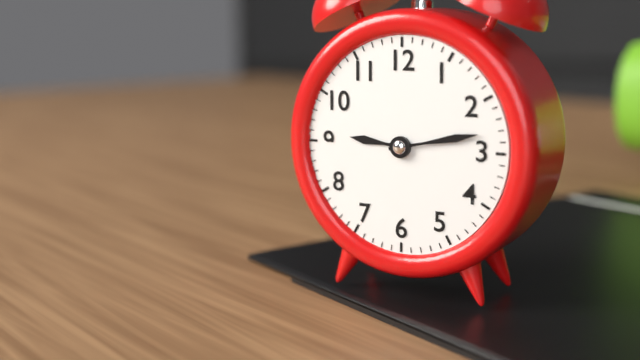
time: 9:13
